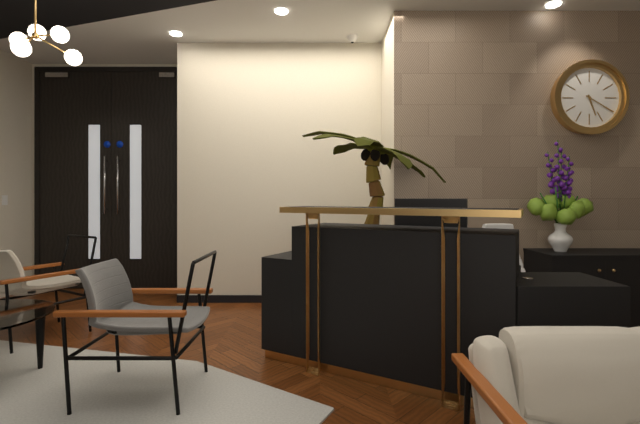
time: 5:20
